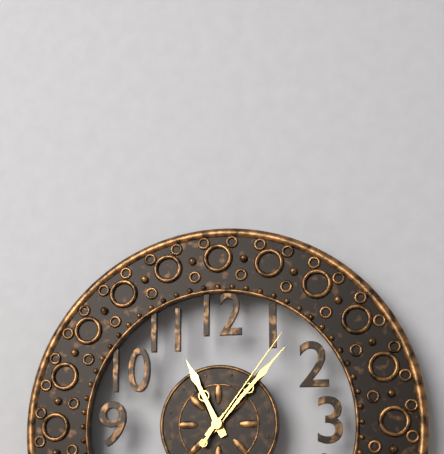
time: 11:07:06
